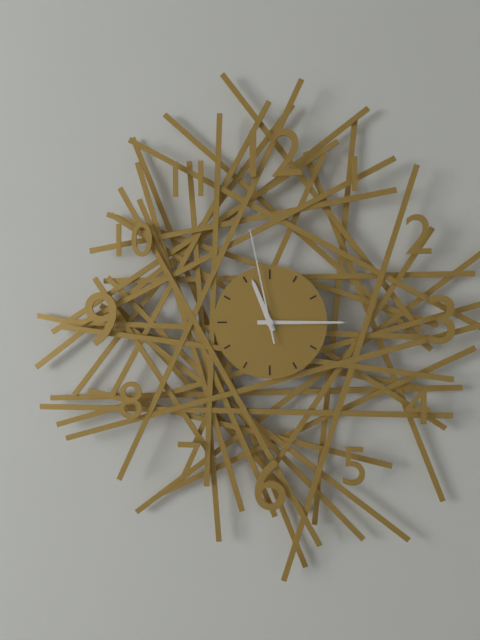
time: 11:15:58
